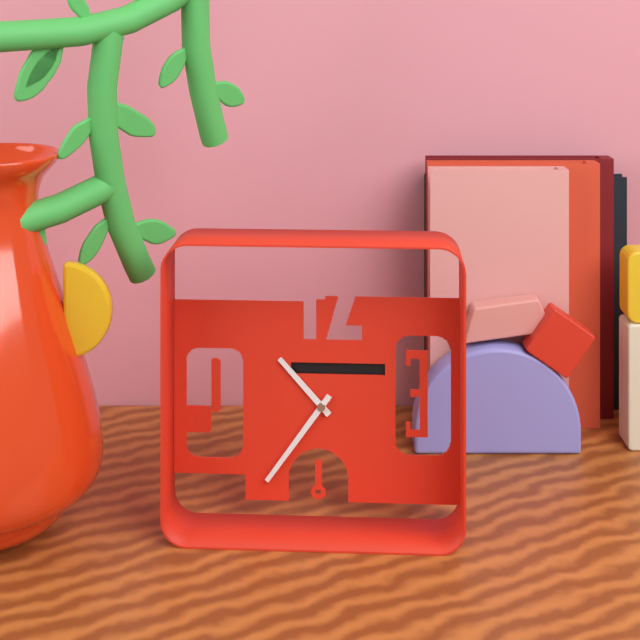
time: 10:36
